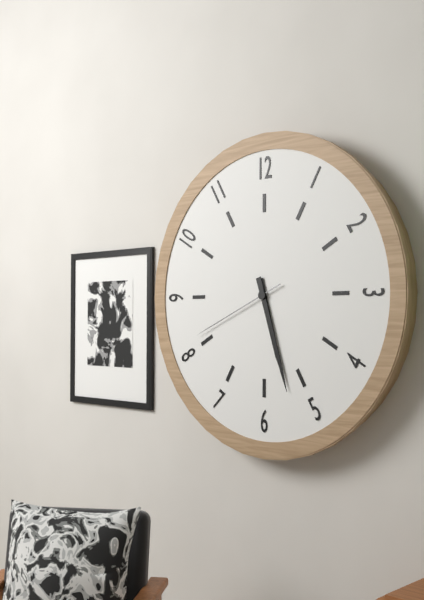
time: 5:27:41
